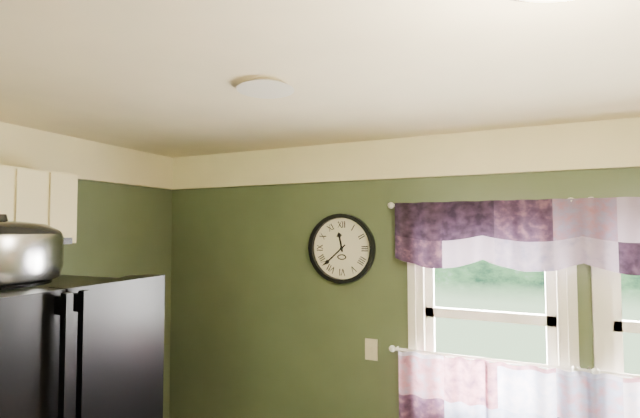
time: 11:38
